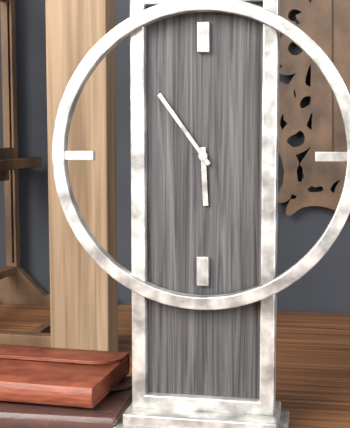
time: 5:54
